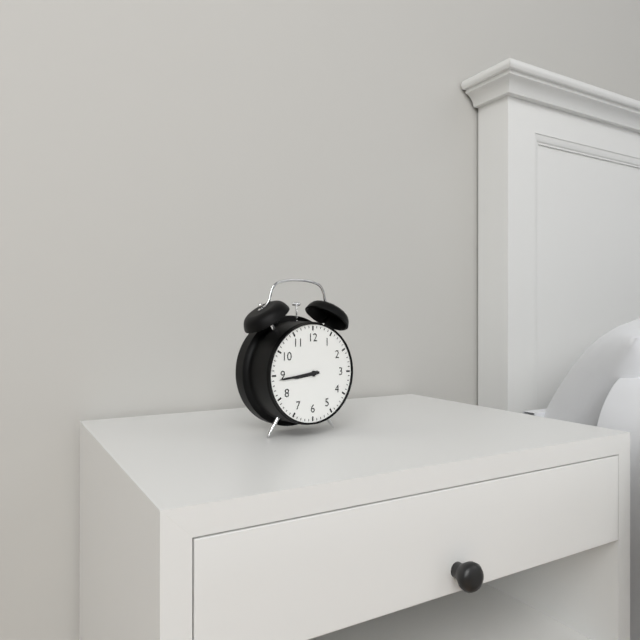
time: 8:44
